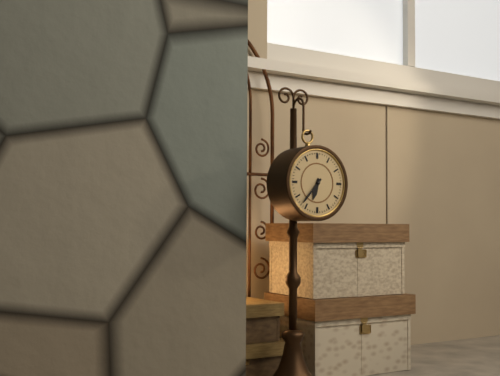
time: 6:37
